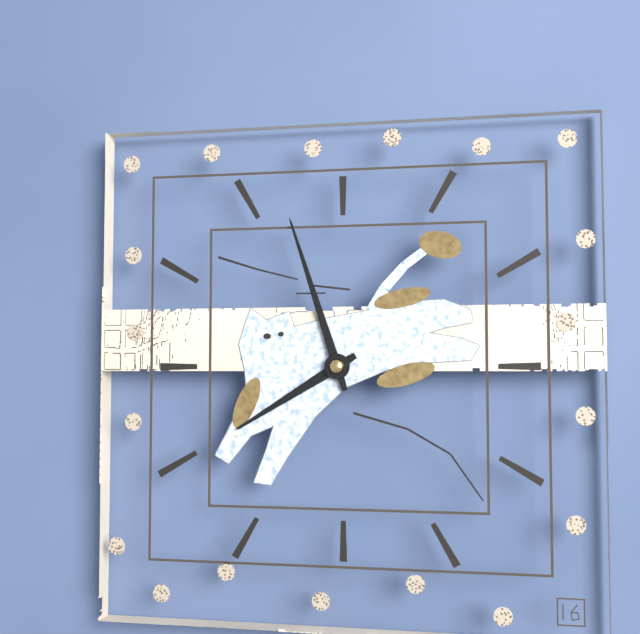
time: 7:57
